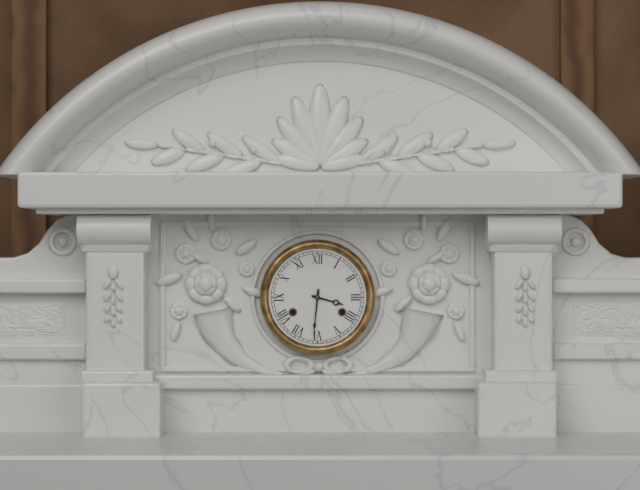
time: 3:31
